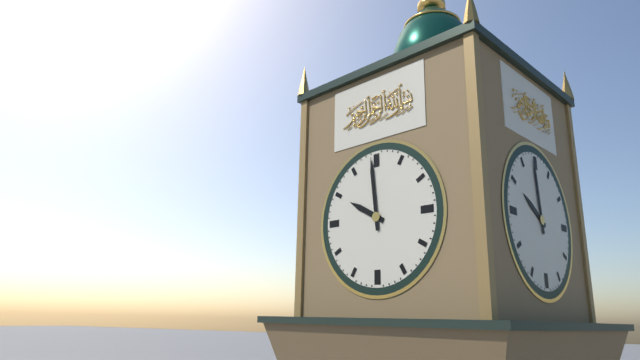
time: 9:59
